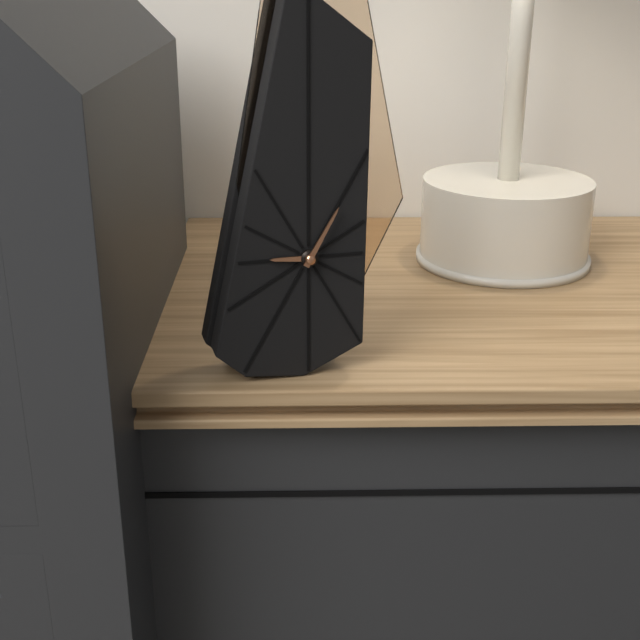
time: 9:05
